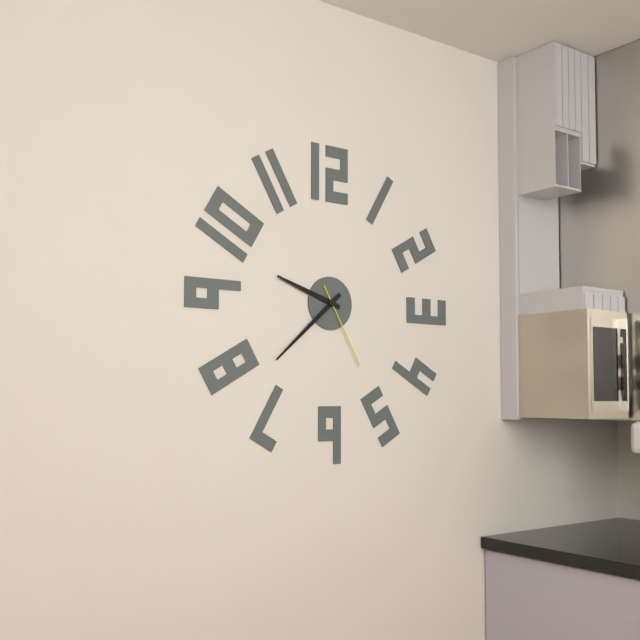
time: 9:38:25
